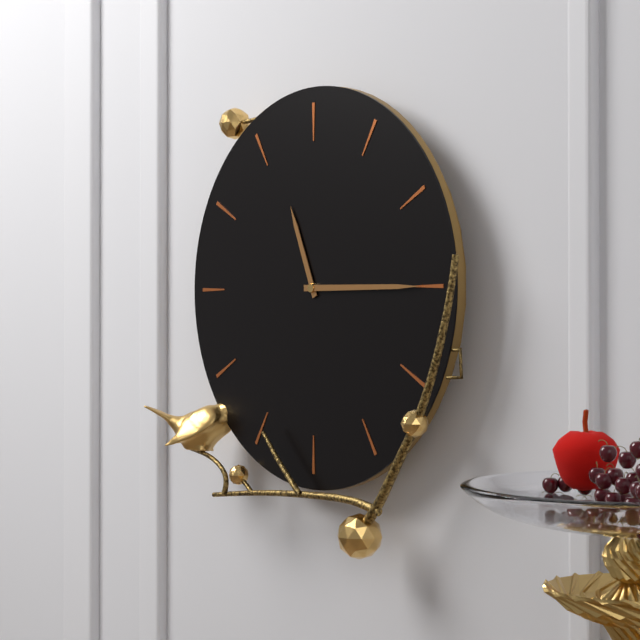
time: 11:15
